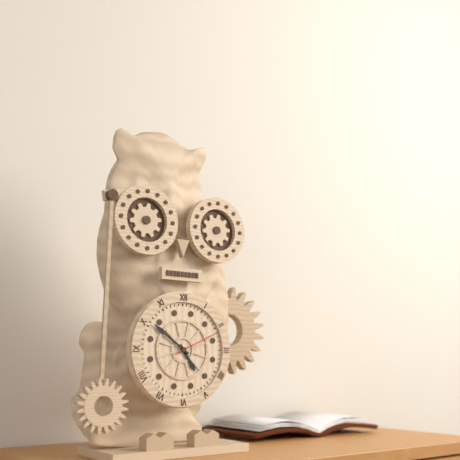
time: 4:51
